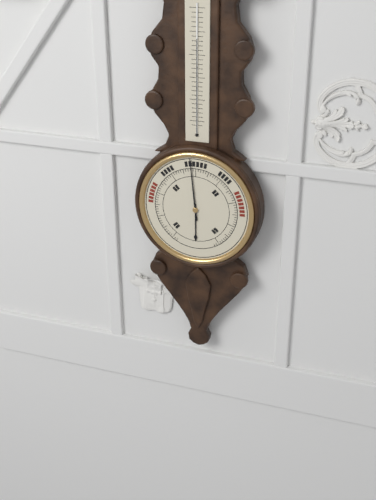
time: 5:59
